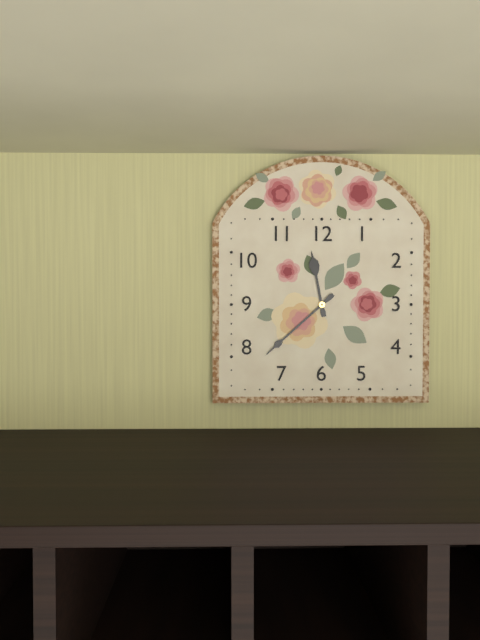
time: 11:38
